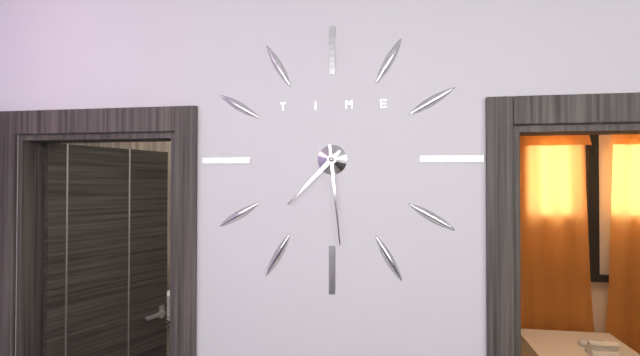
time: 7:29
